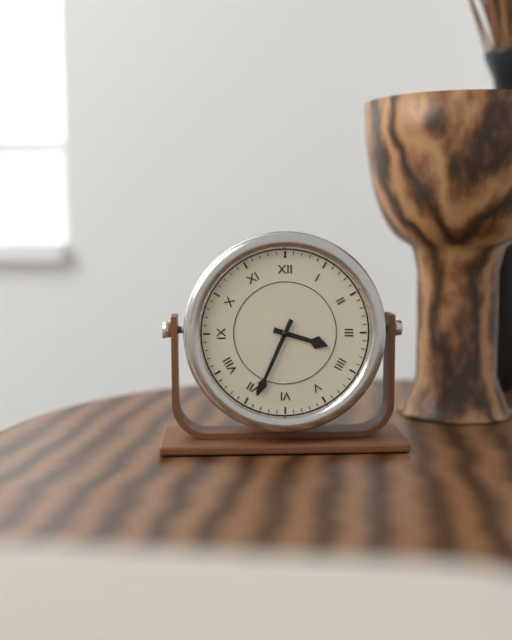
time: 3:34
